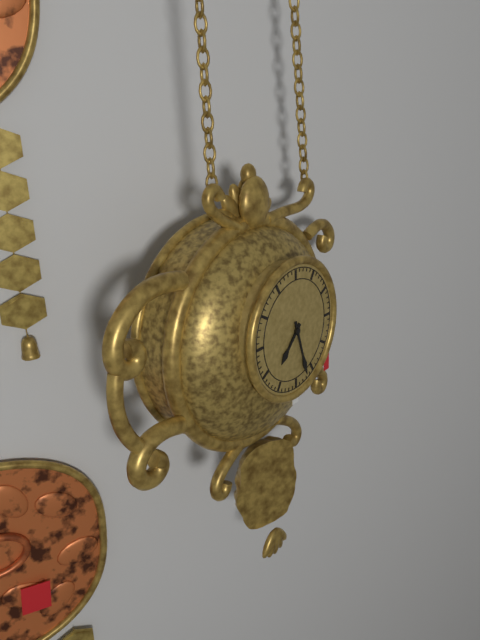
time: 7:27
